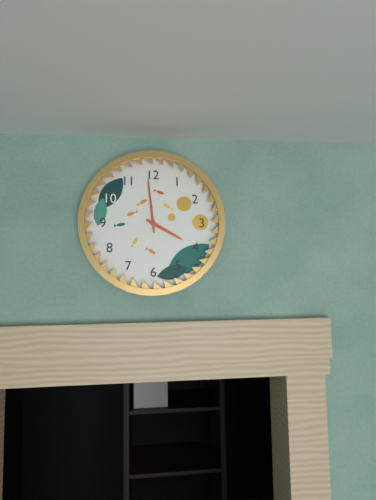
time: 3:59
